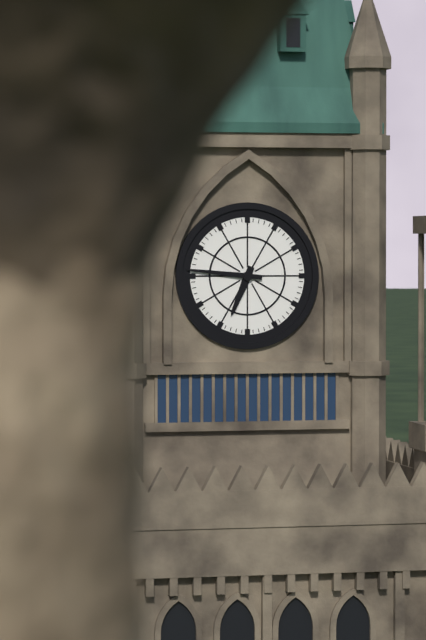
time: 6:46
